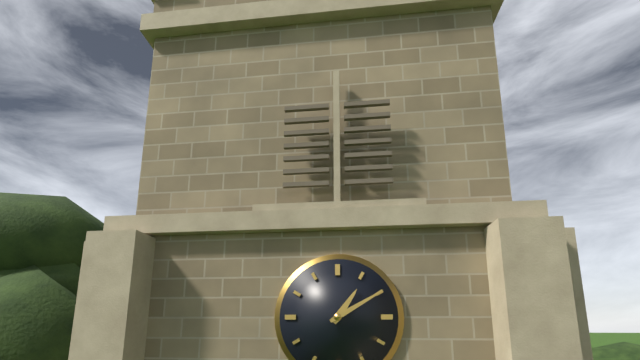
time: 1:10
